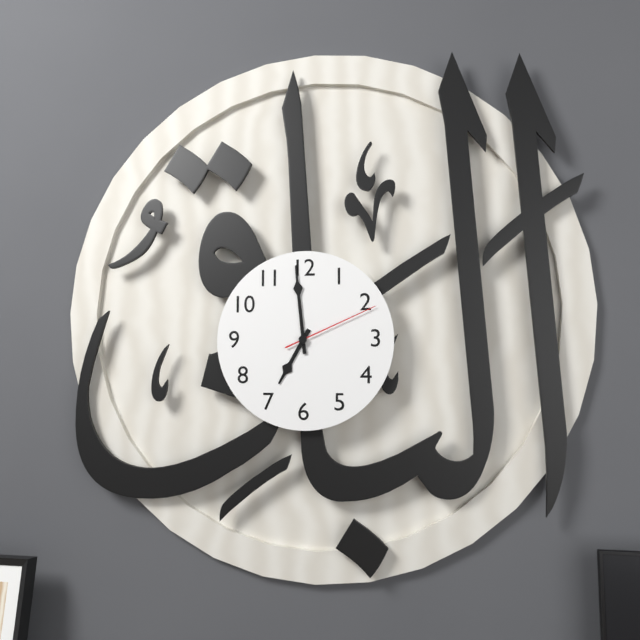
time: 6:59:11
